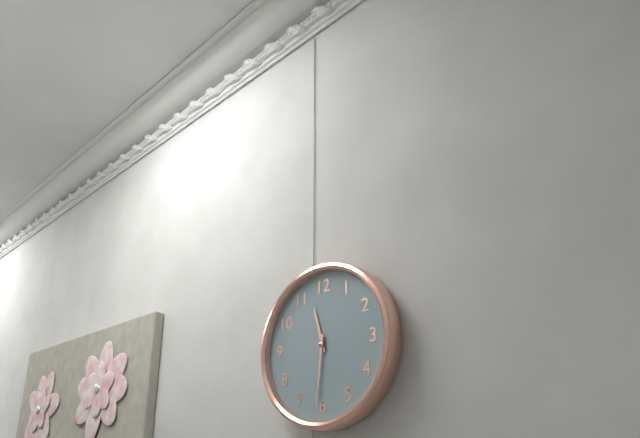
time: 11:31
